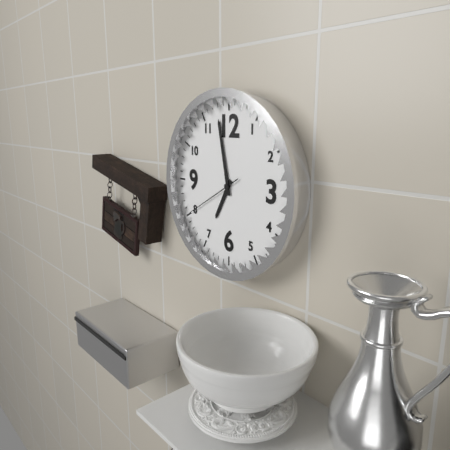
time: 6:58:40
